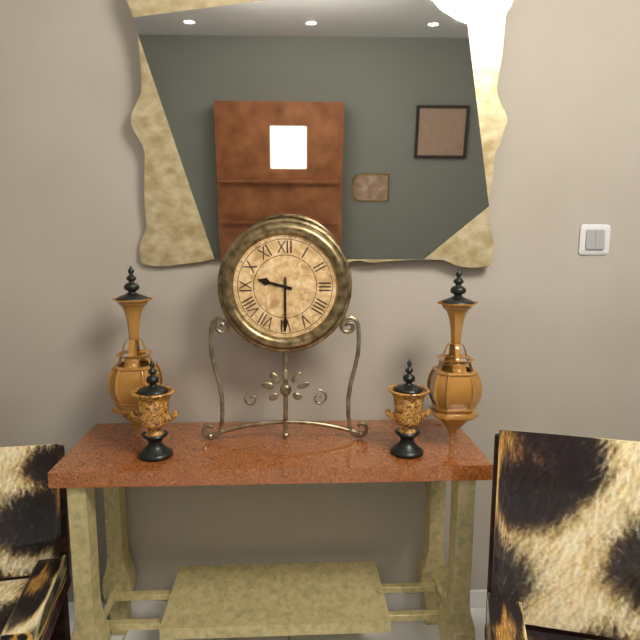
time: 9:30
